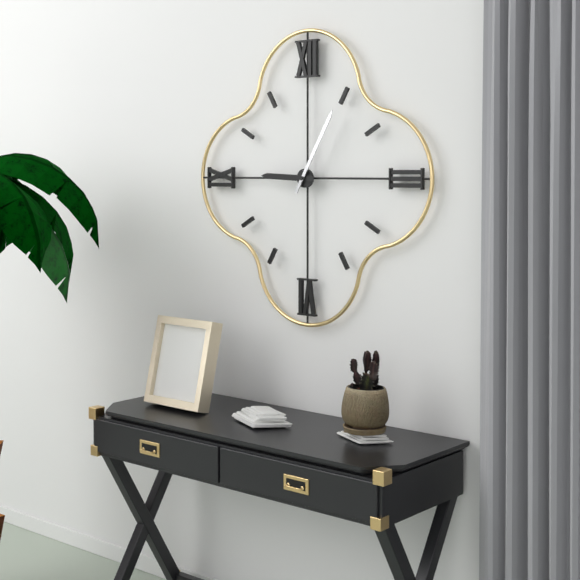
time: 9:05
